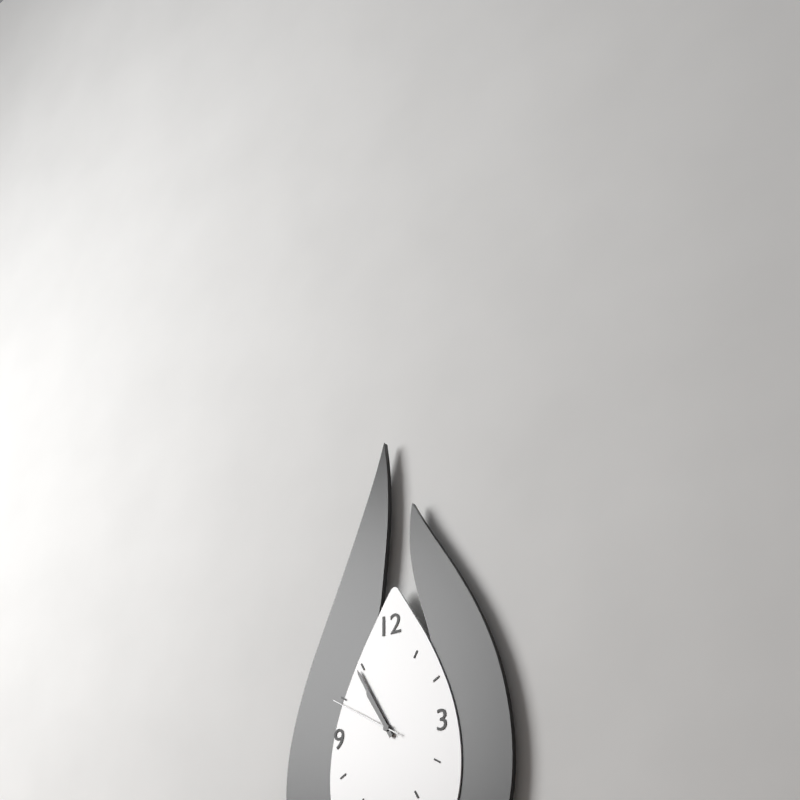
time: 10:55:50
